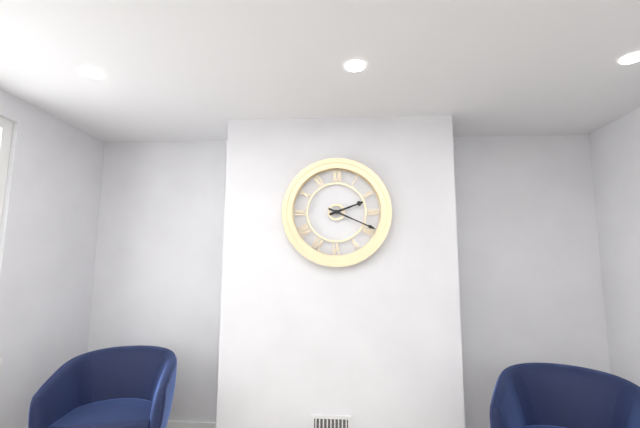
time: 2:19
